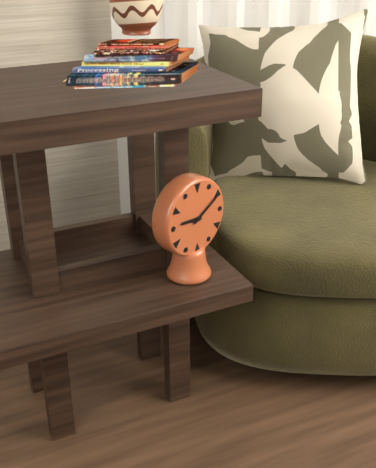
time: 9:10
